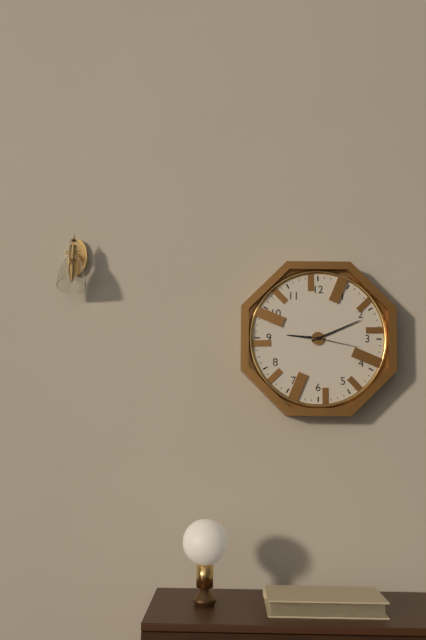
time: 9:11:17
